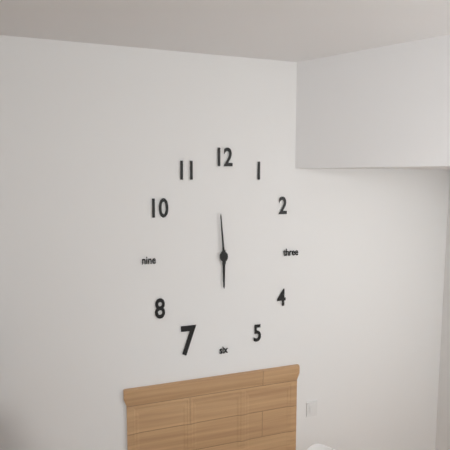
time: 5:59
